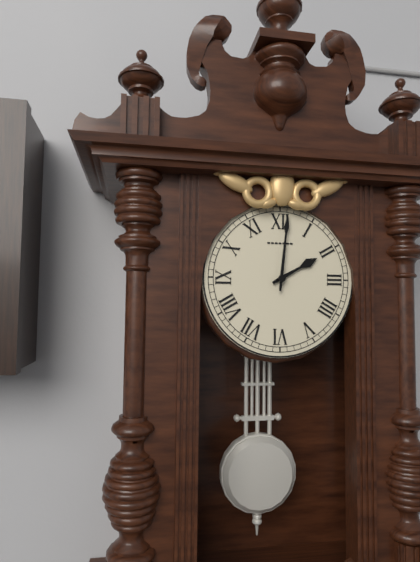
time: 2:01
